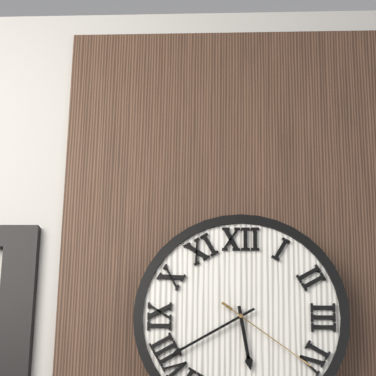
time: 5:40:21
